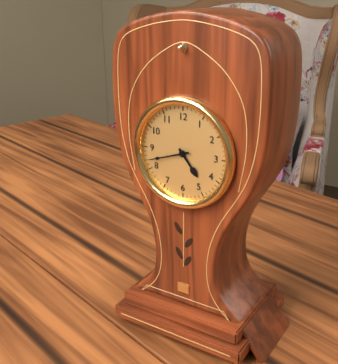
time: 4:42
